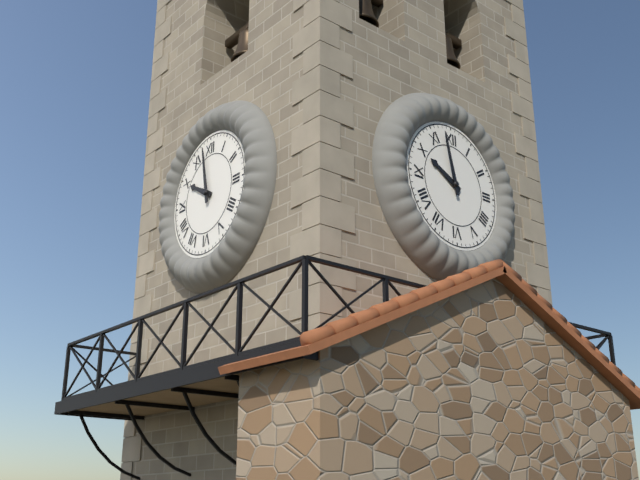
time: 9:58
